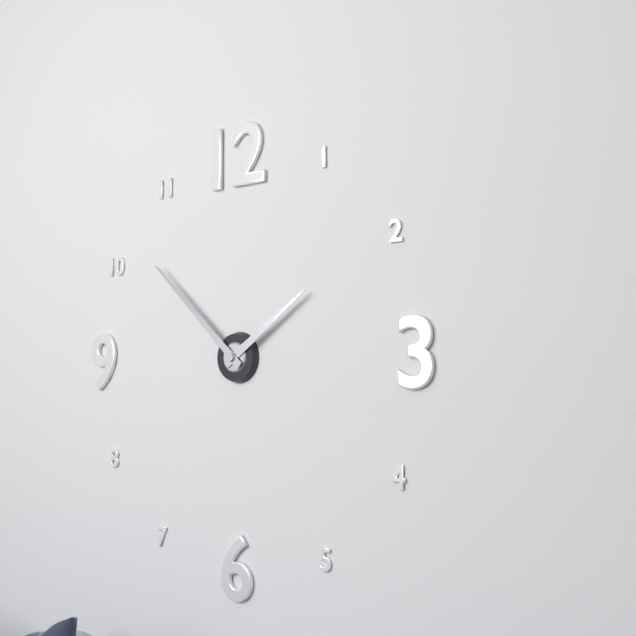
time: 1:52
